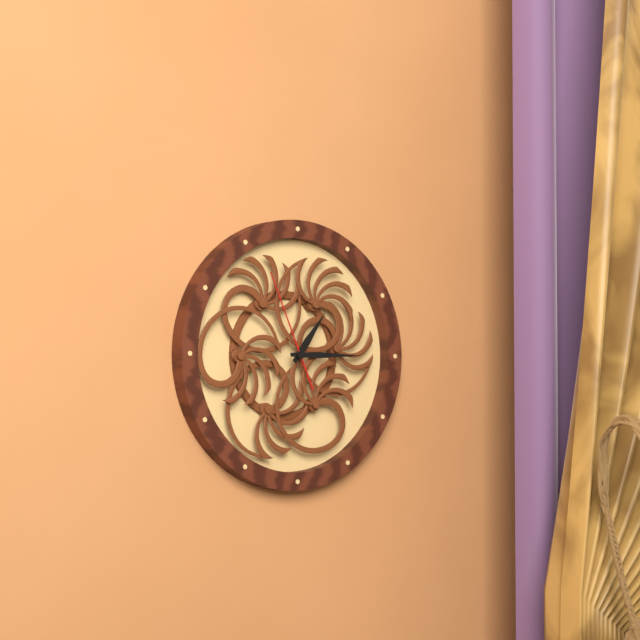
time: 1:15:56
